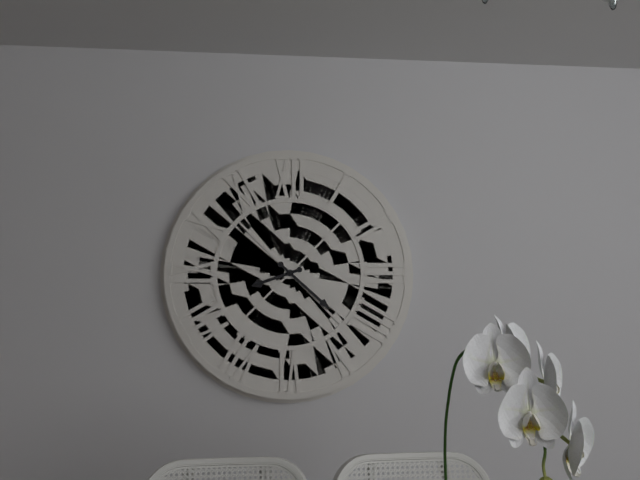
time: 8:22
